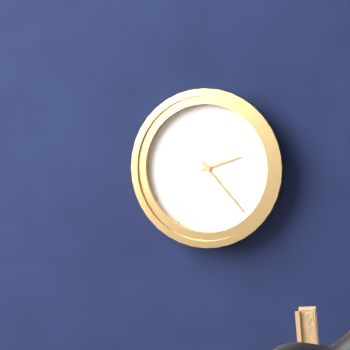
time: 2:23
